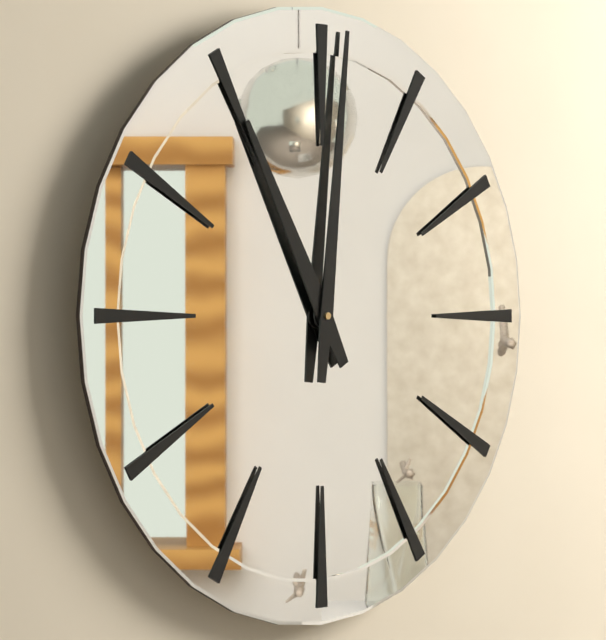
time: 11:01
